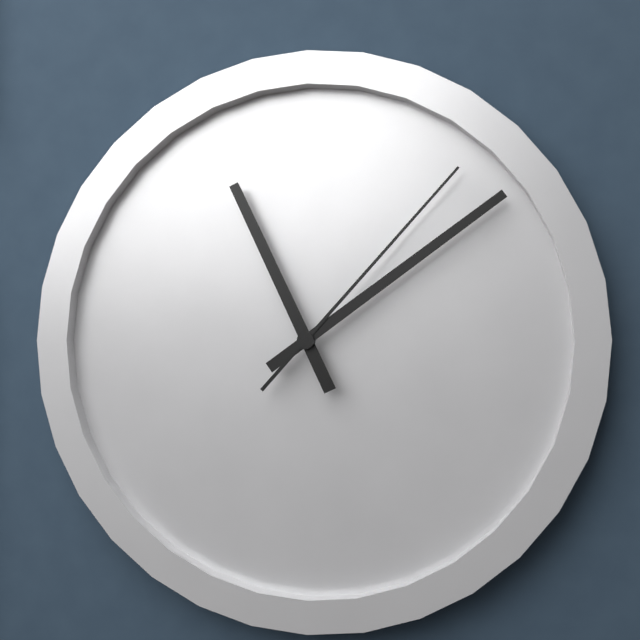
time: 11:09:07
